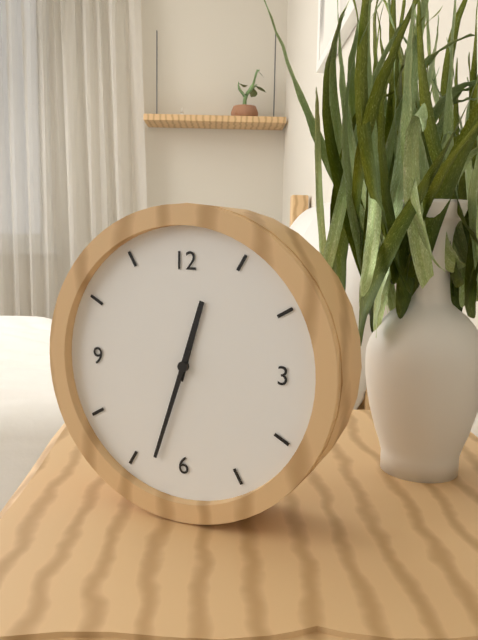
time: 12:33
